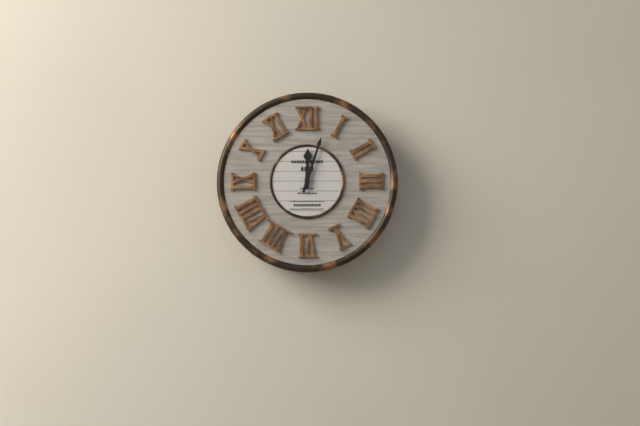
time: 12:03
